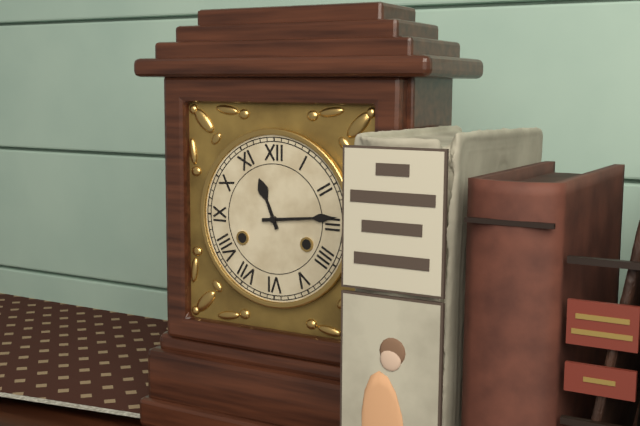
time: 11:14
